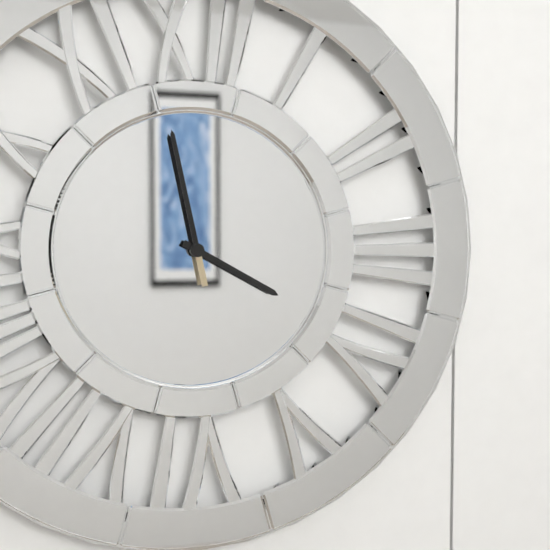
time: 3:58
